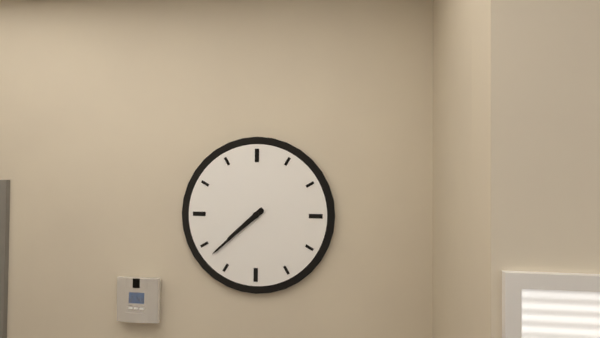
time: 7:38
